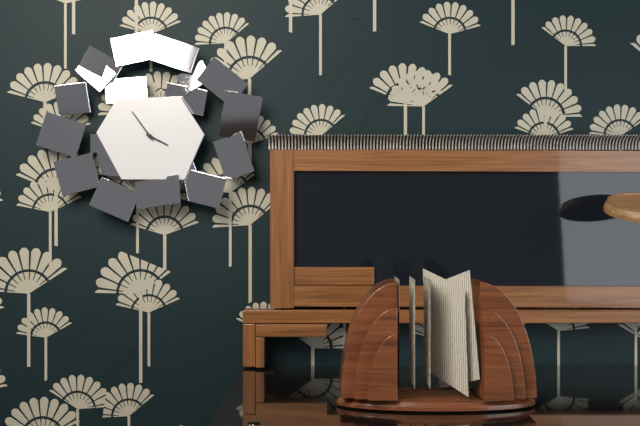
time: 3:54
